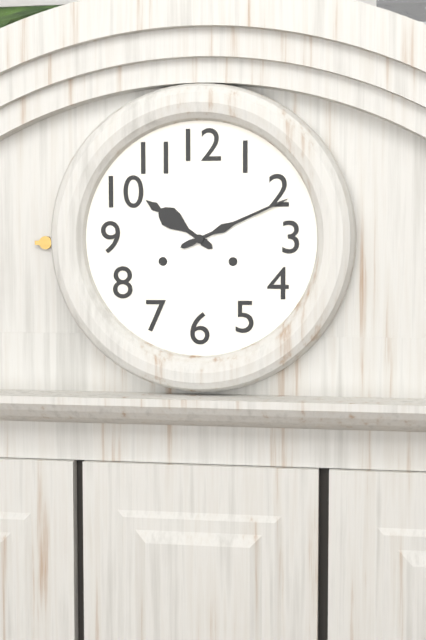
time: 10:11
